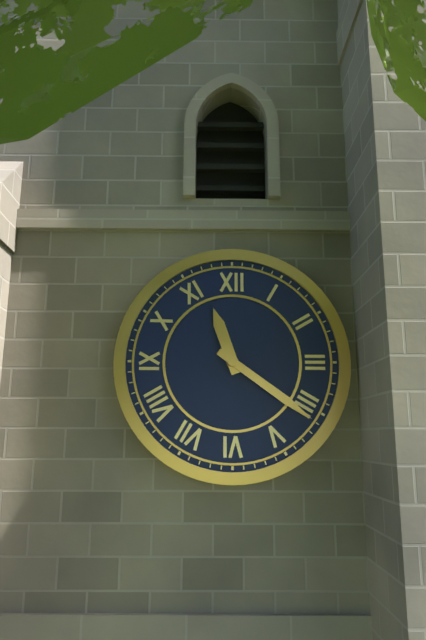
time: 11:21
